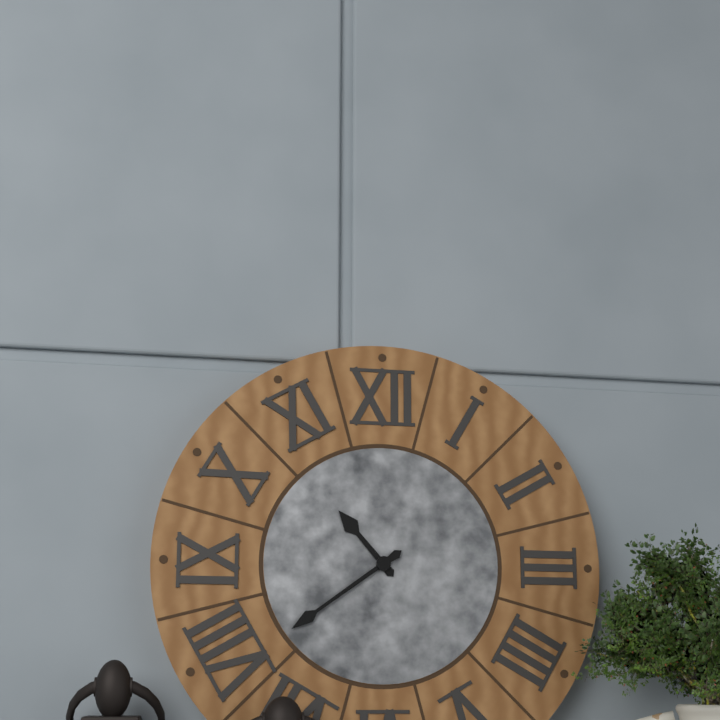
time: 10:39
